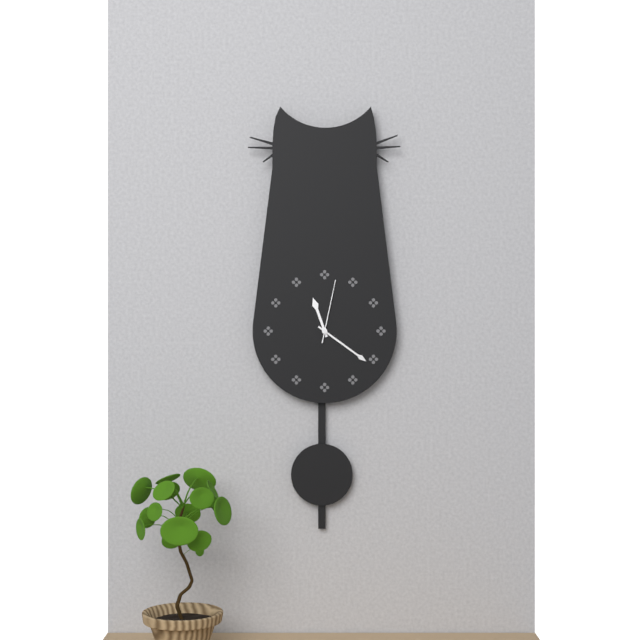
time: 11:21:02
